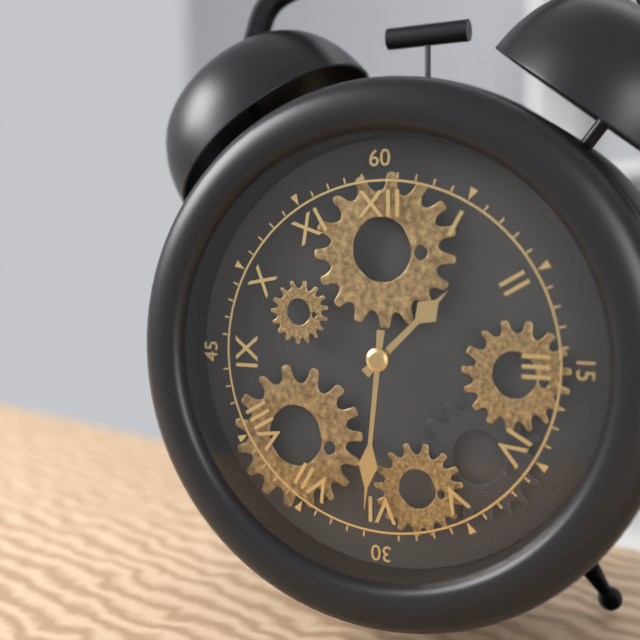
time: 1:31
